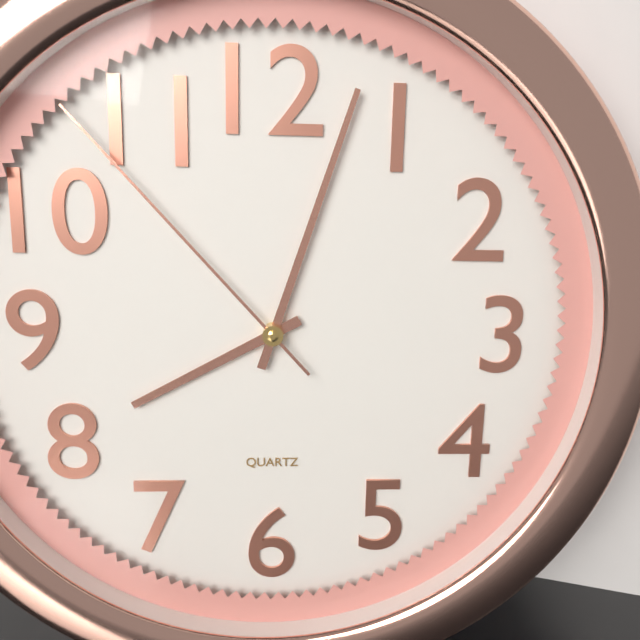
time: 8:03:53
